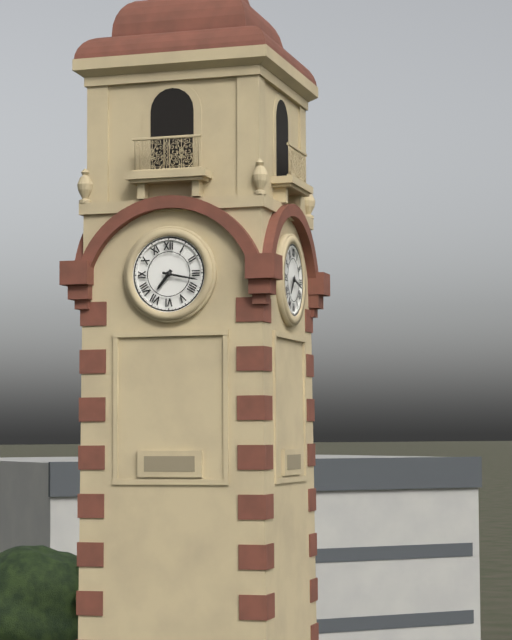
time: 7:17
